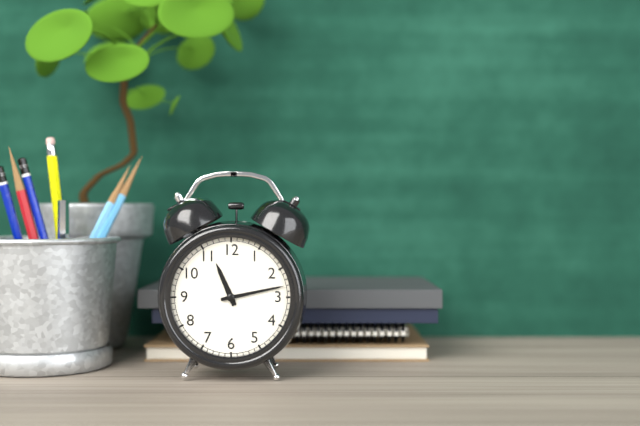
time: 11:13
